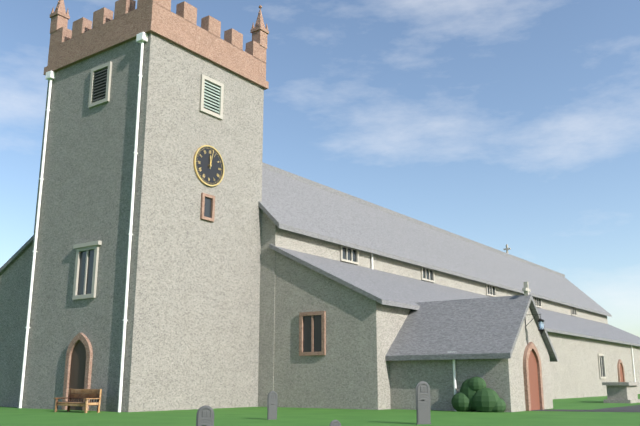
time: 12:02
